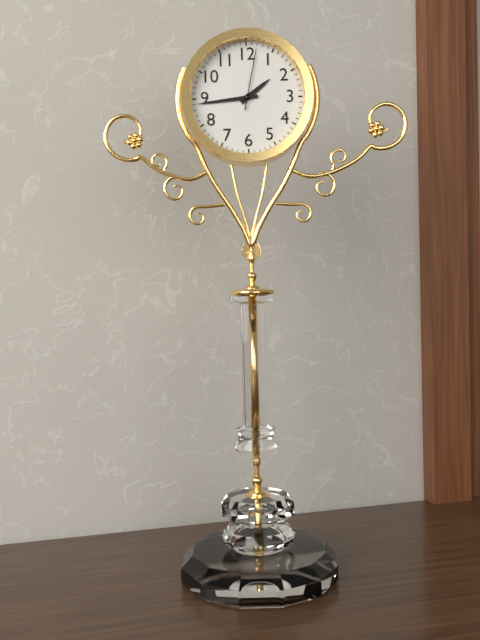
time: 1:44:02
